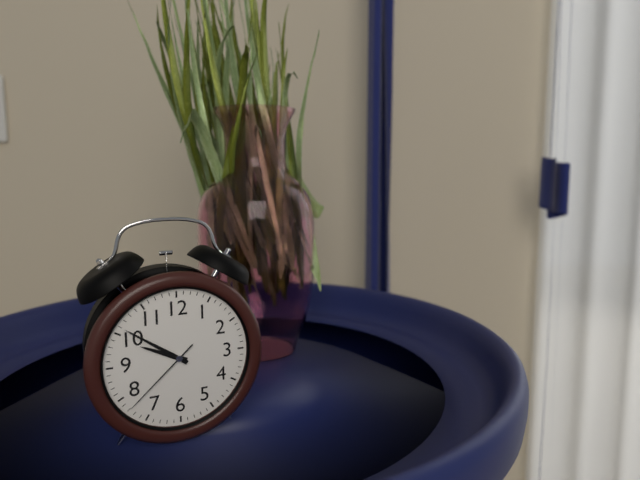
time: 9:51:38
